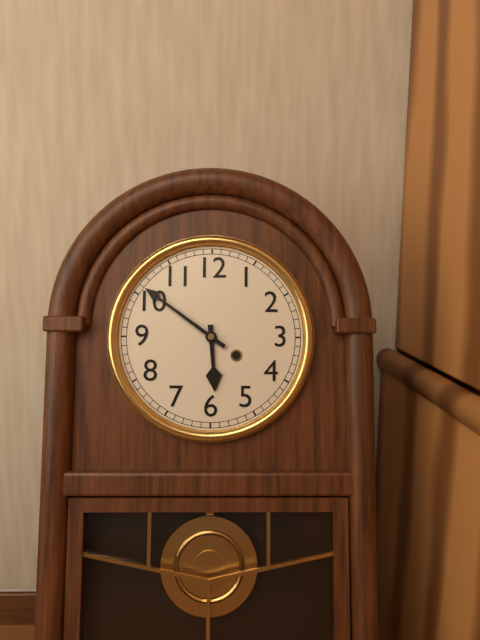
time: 5:51
